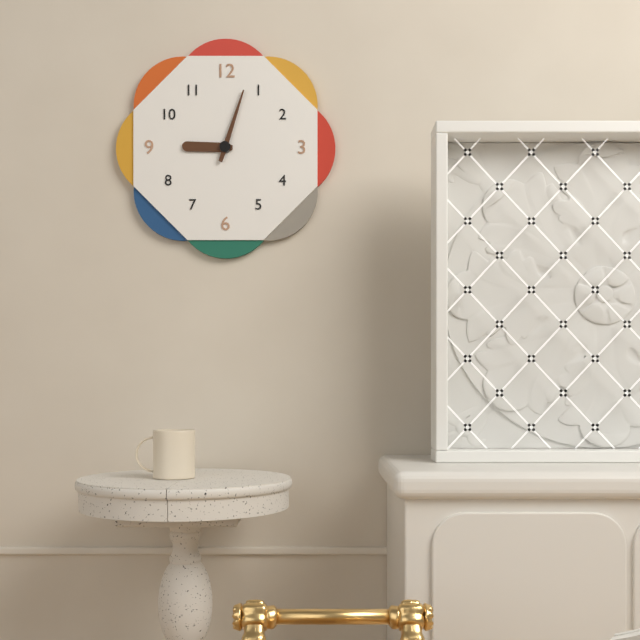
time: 9:03
